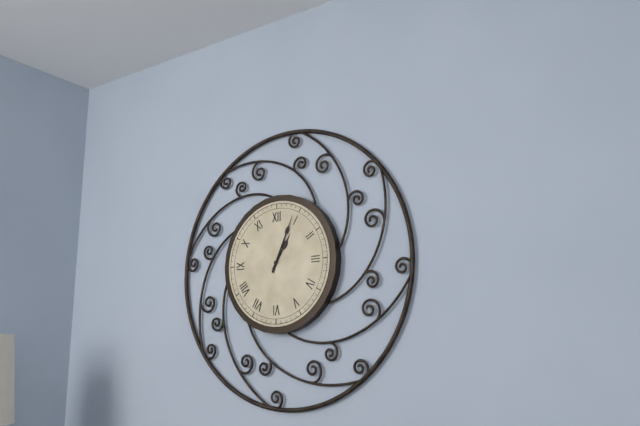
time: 1:04
